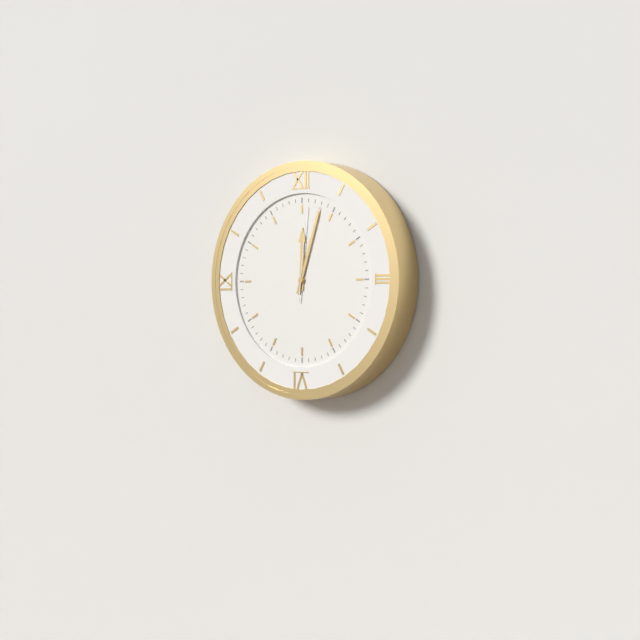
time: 12:03:01
